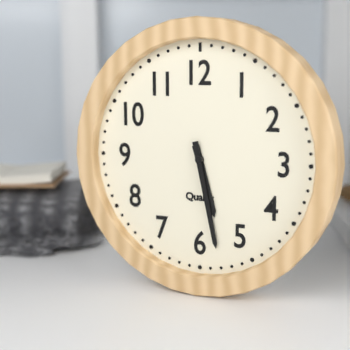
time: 5:28
